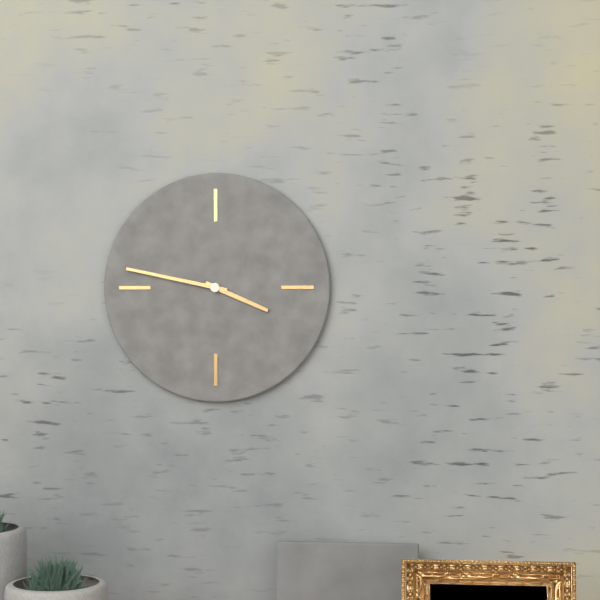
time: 3:47
